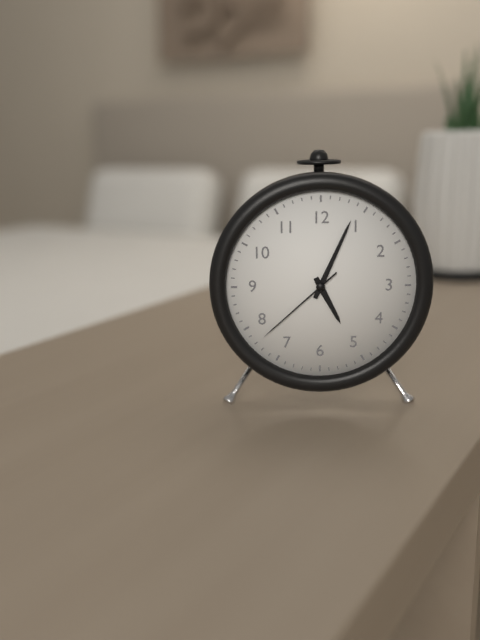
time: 5:04:38
